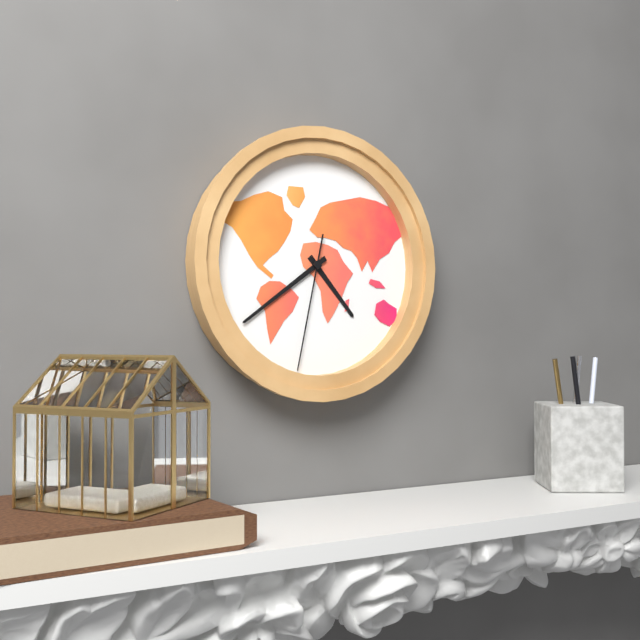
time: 4:39:32
